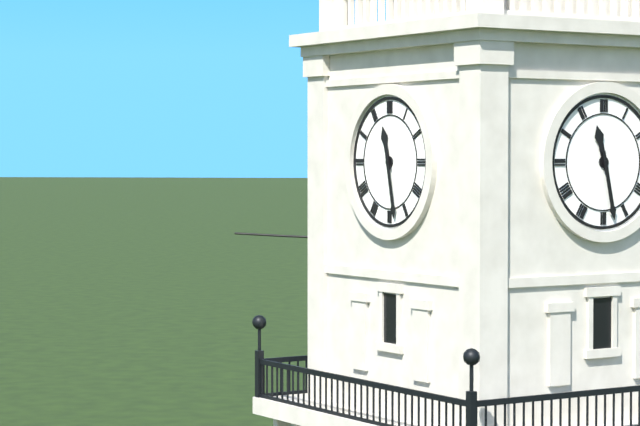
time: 11:28
